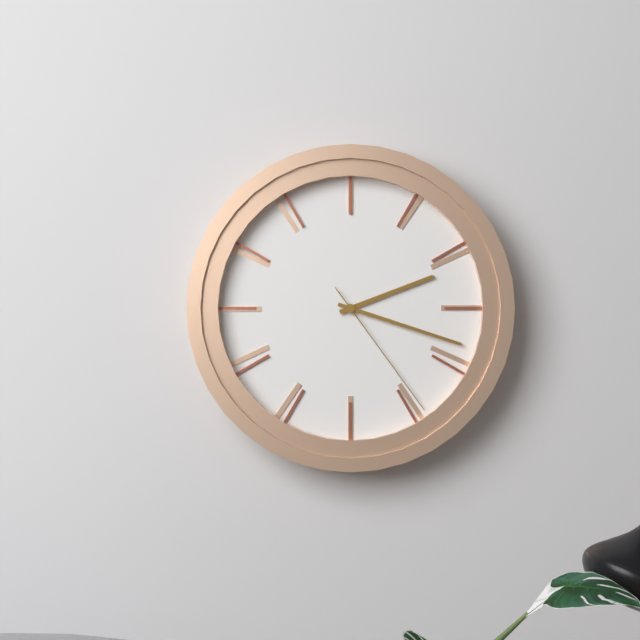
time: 2:18:24
